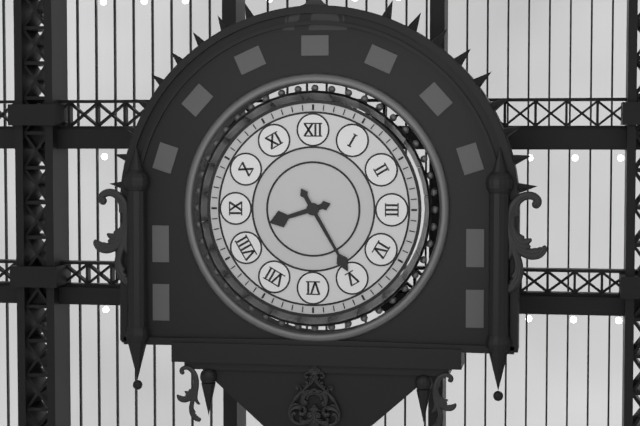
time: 8:25
